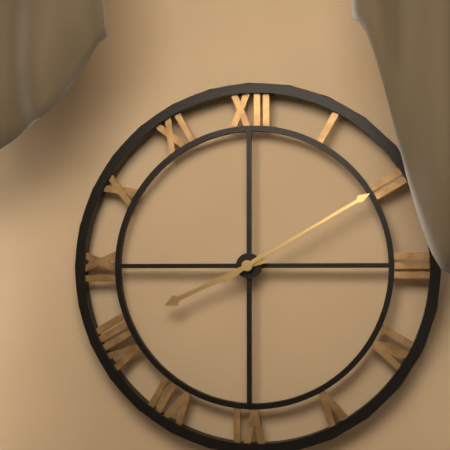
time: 8:10
